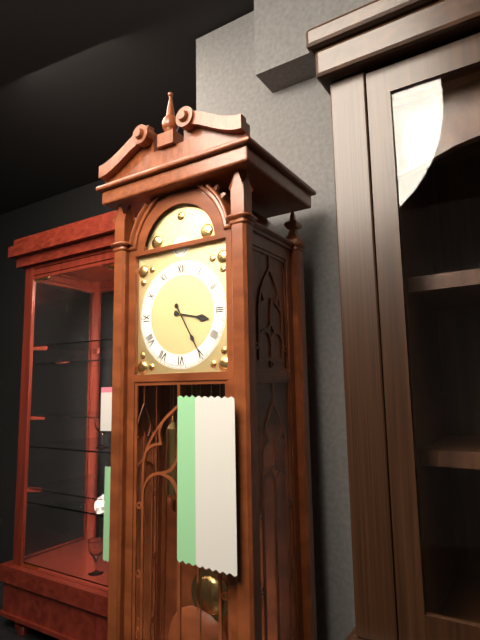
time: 3:25
